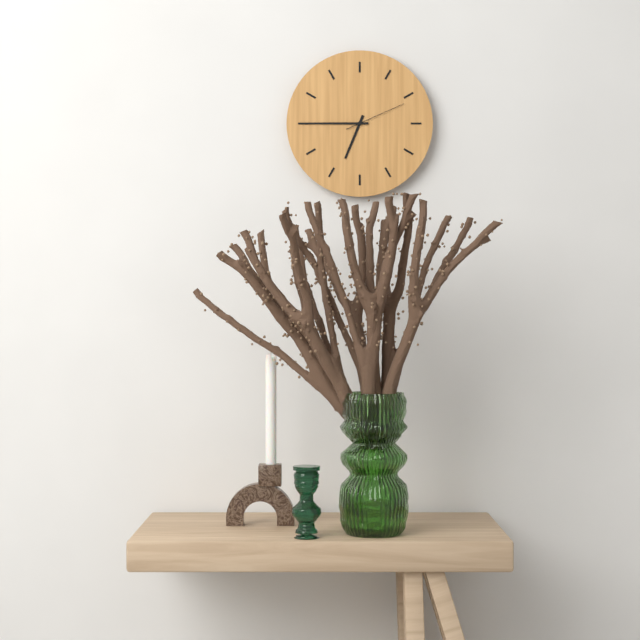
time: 6:45:11
